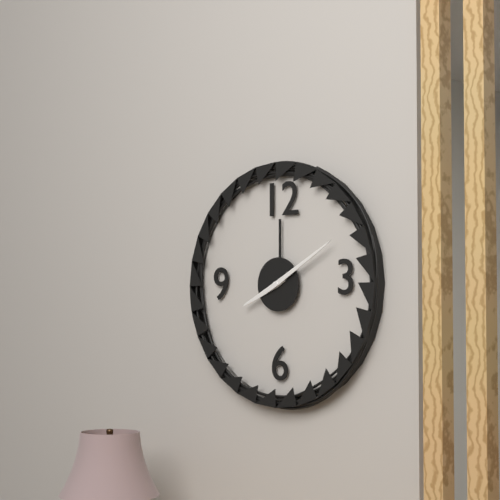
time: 8:10
